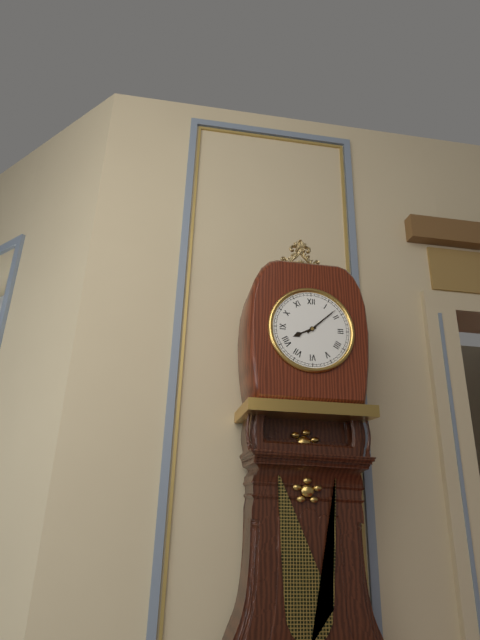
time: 8:08
